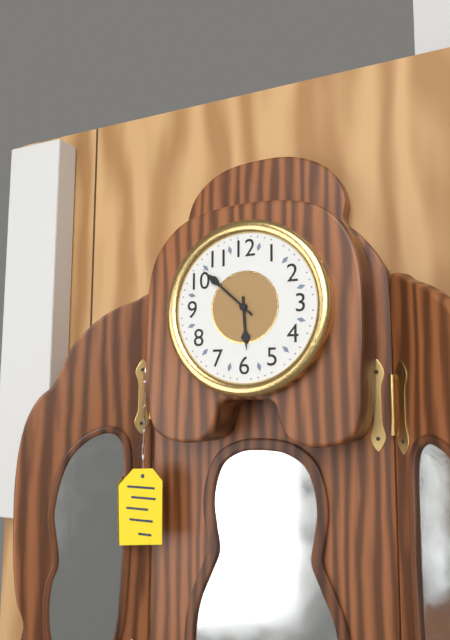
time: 5:52
